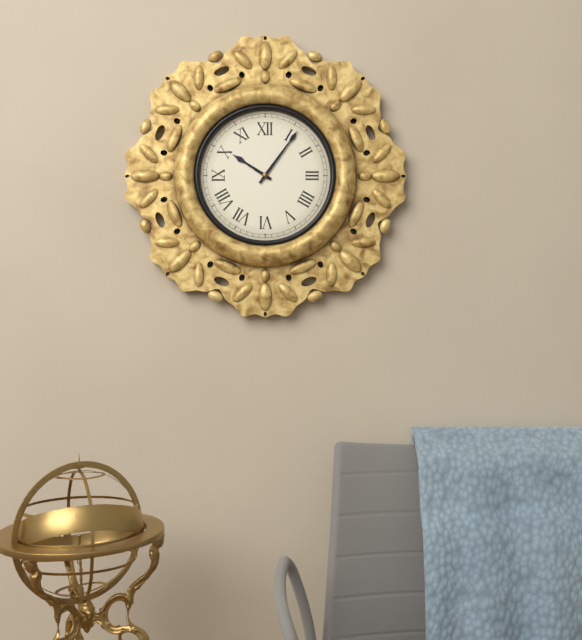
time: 10:06
